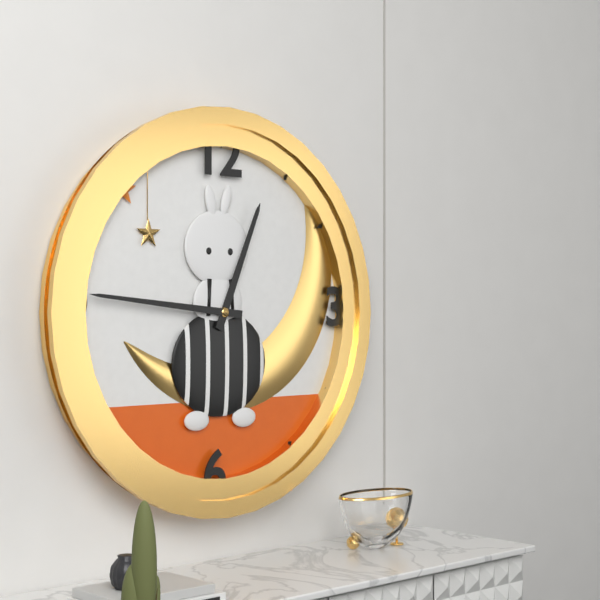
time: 12:46
